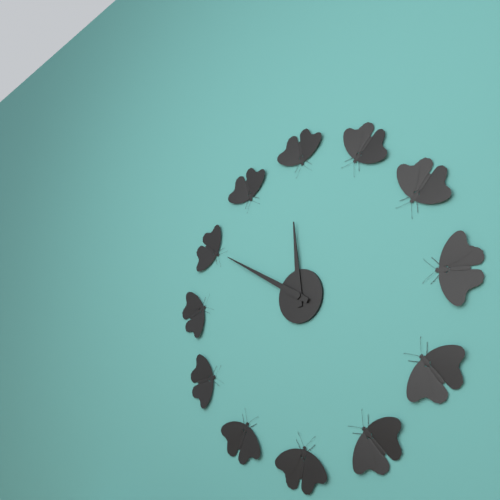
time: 11:50
